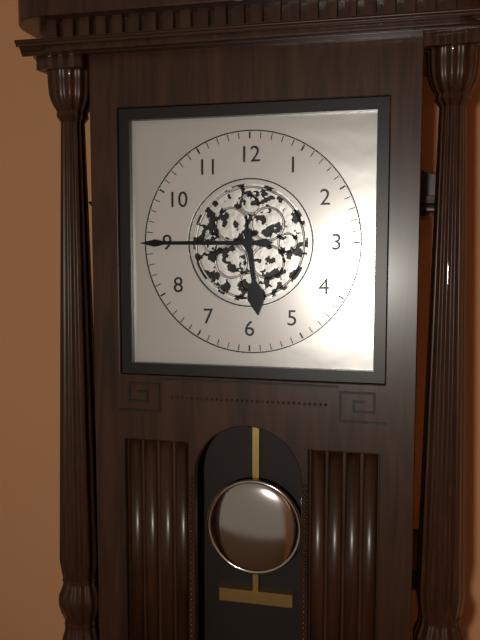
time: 5:45
